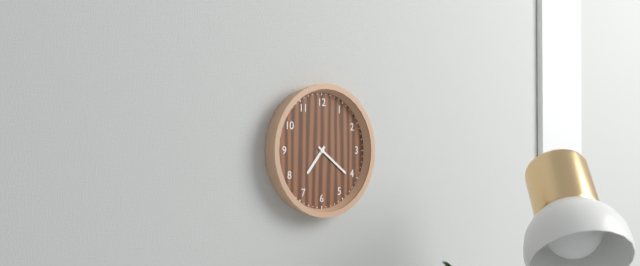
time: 7:21
